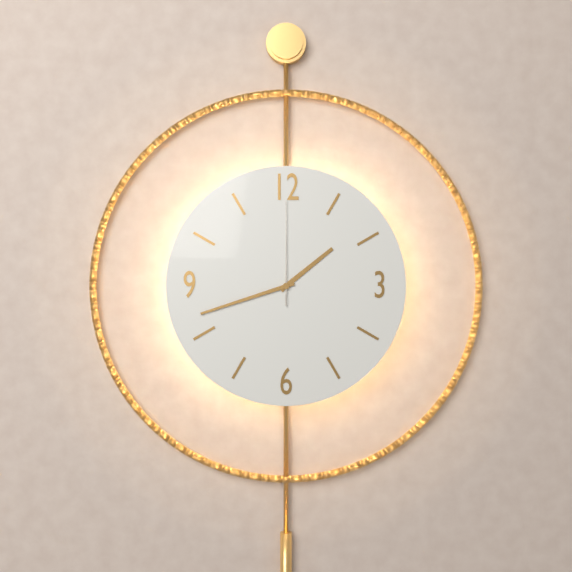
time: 1:42:00
